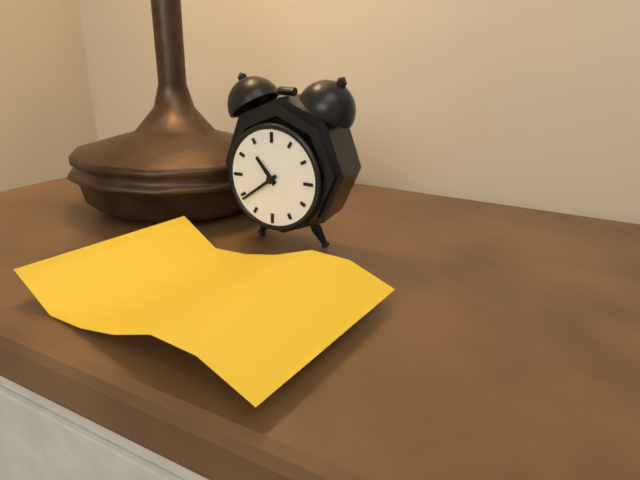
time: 10:39
